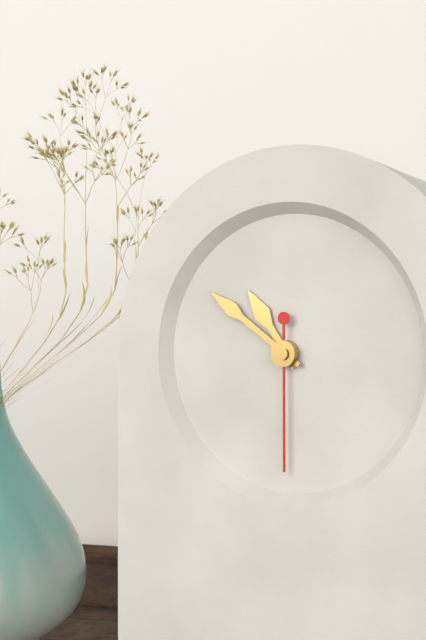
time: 10:51:30
